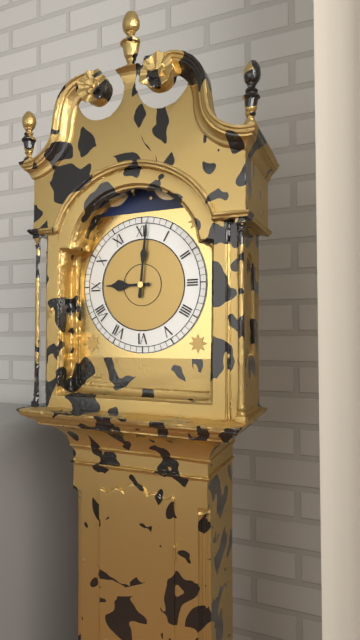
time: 9:01
